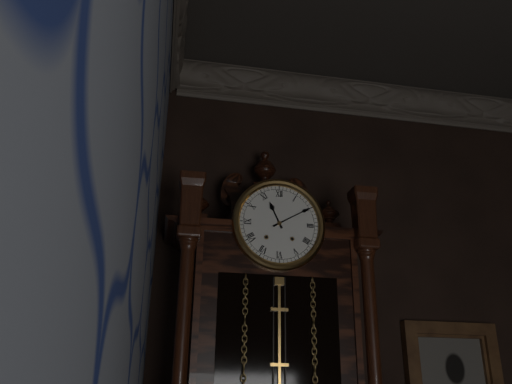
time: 11:10
